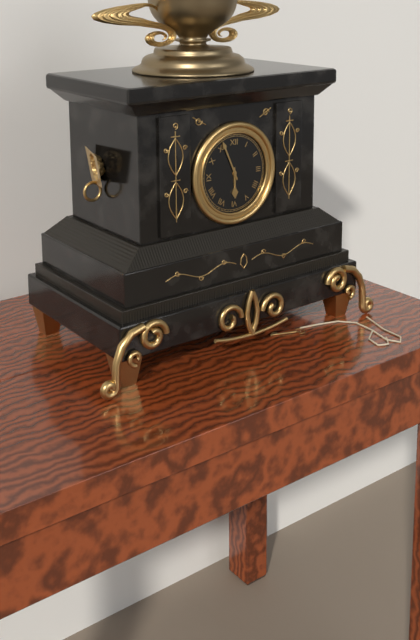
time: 5:56
